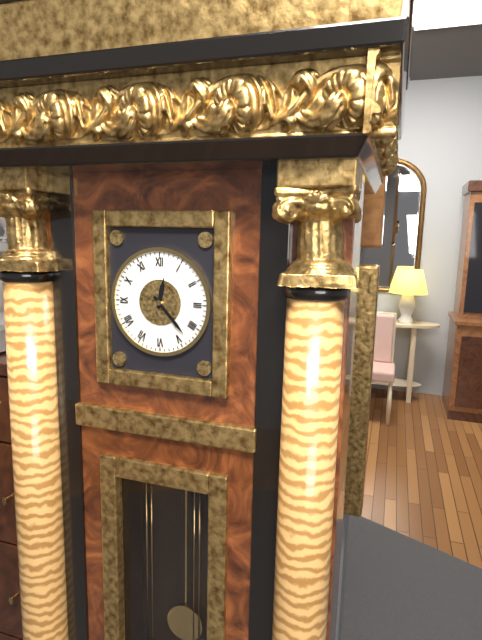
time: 12:23
